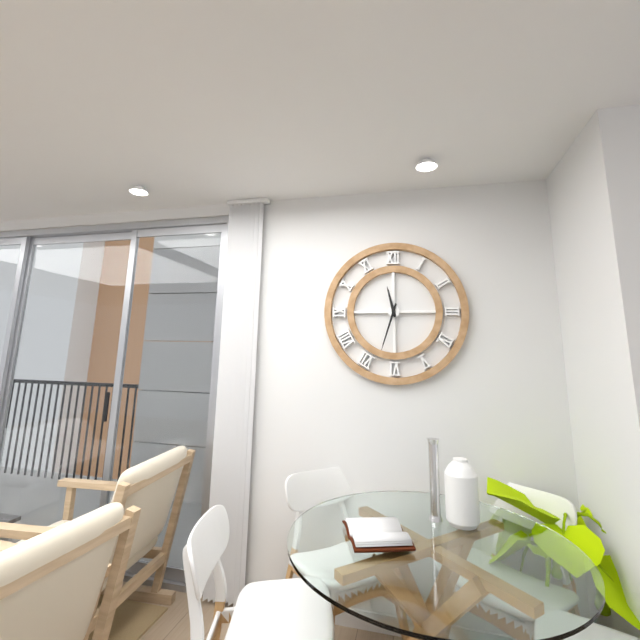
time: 11:33
